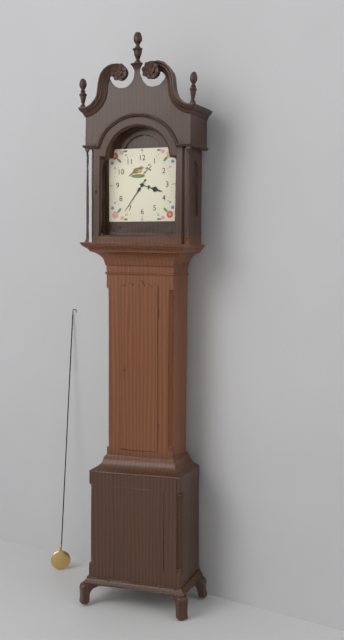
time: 3:36
